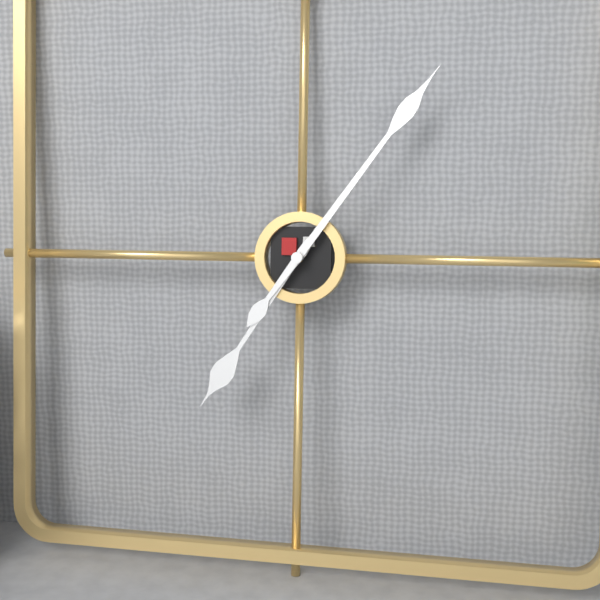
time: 7:06
